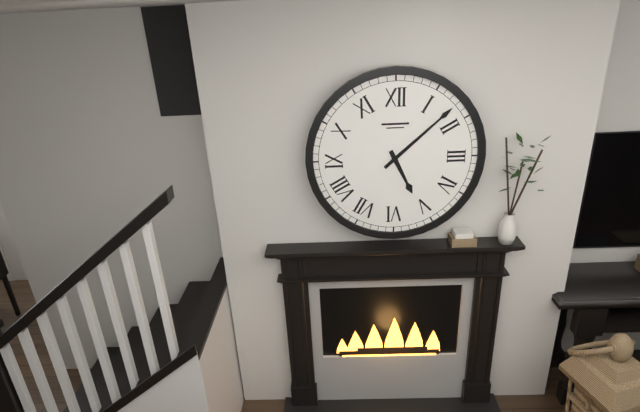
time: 5:08
